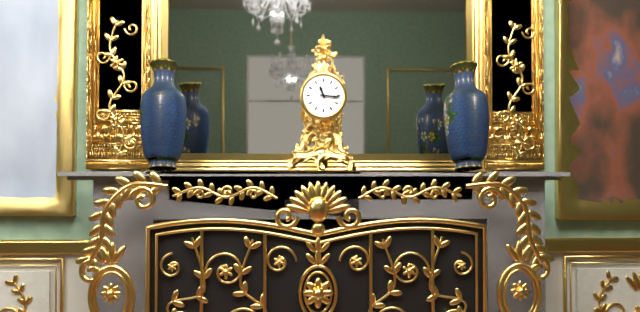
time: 11:16
